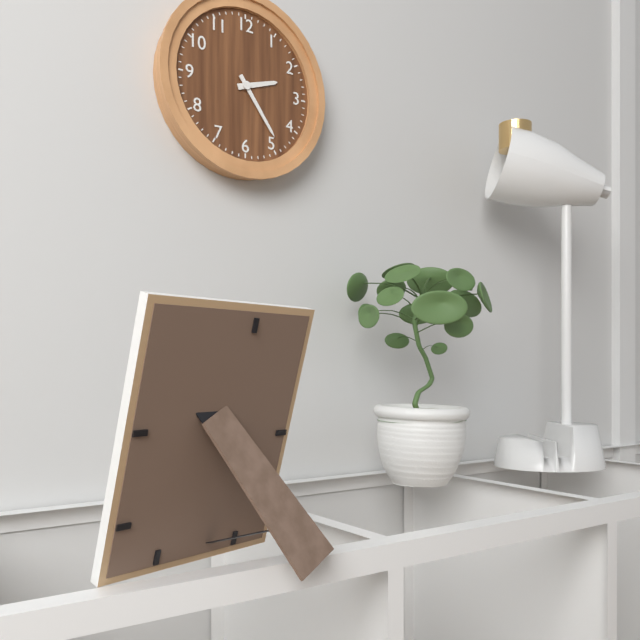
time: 2:24
